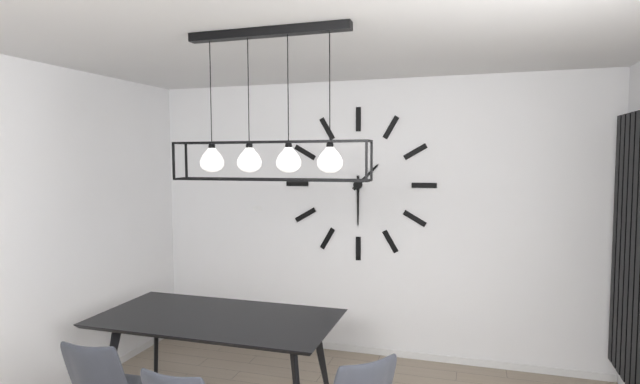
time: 1:30
